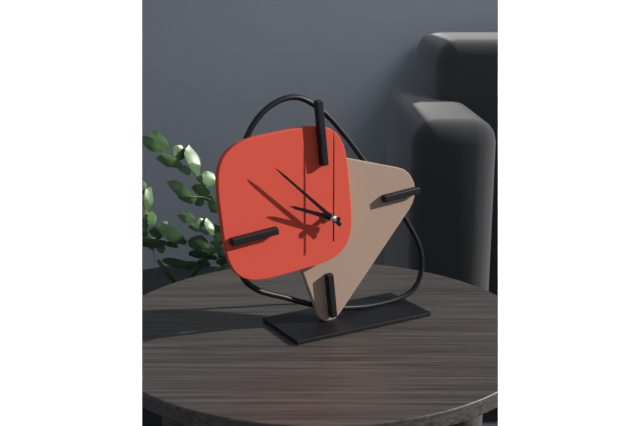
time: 9:53:01
